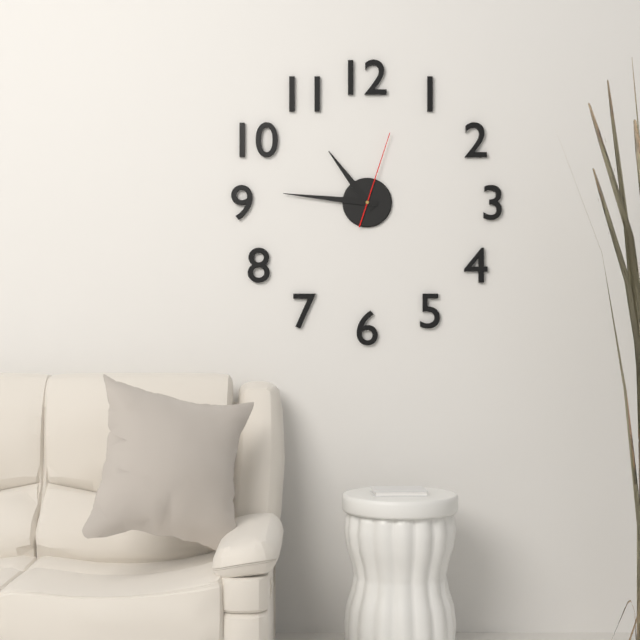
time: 10:46:03
